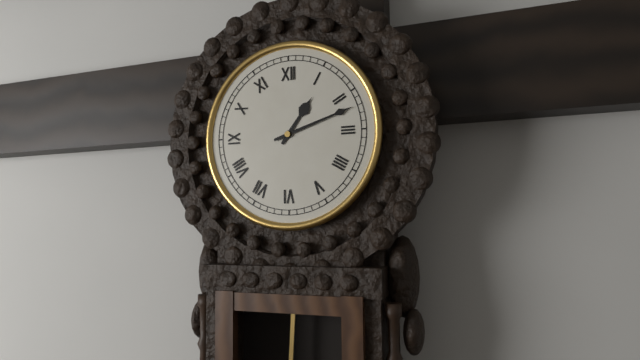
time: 1:12
